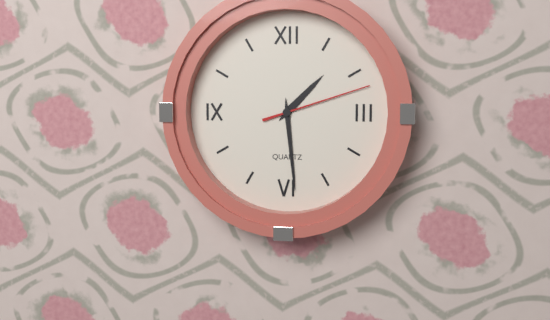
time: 1:29:12
